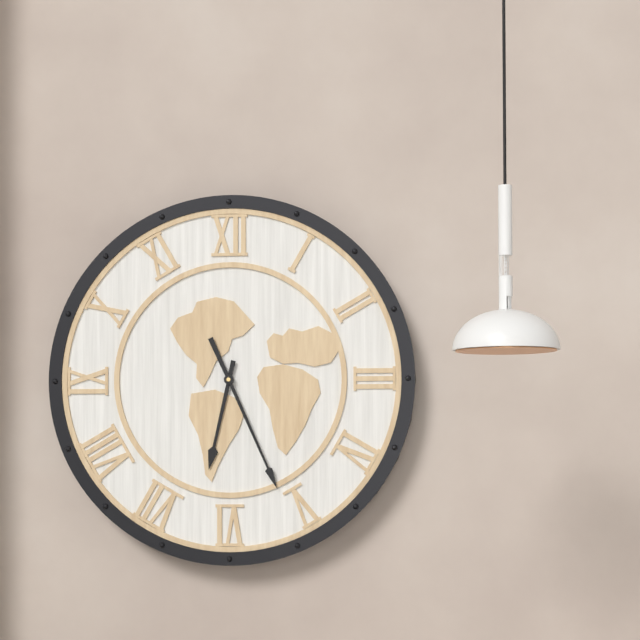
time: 6:26
